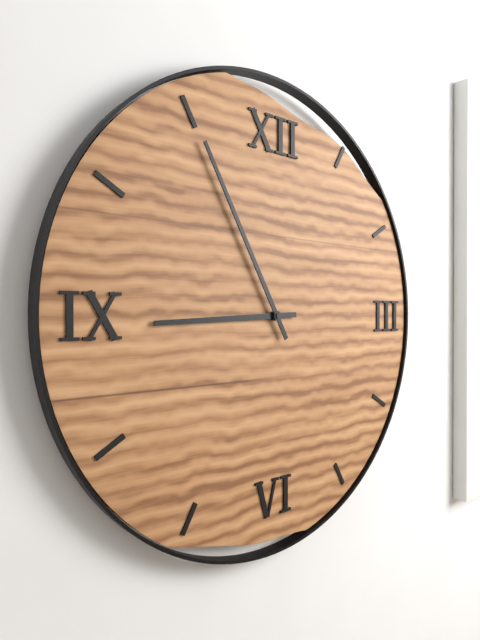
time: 8:55
